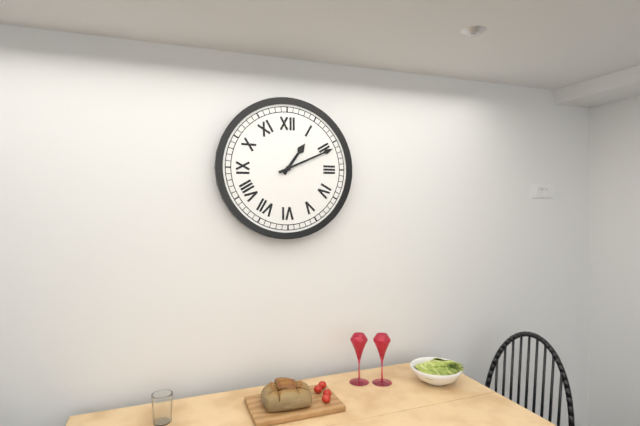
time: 1:11
